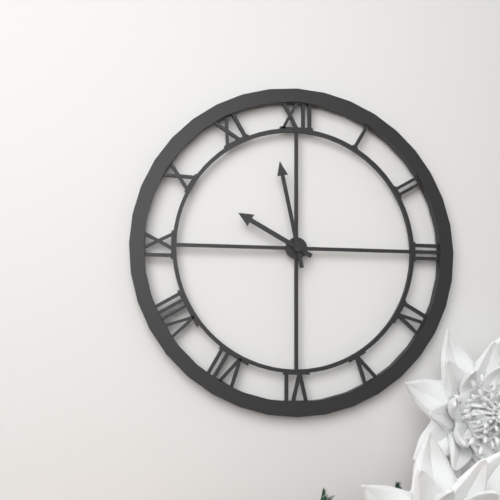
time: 9:58
